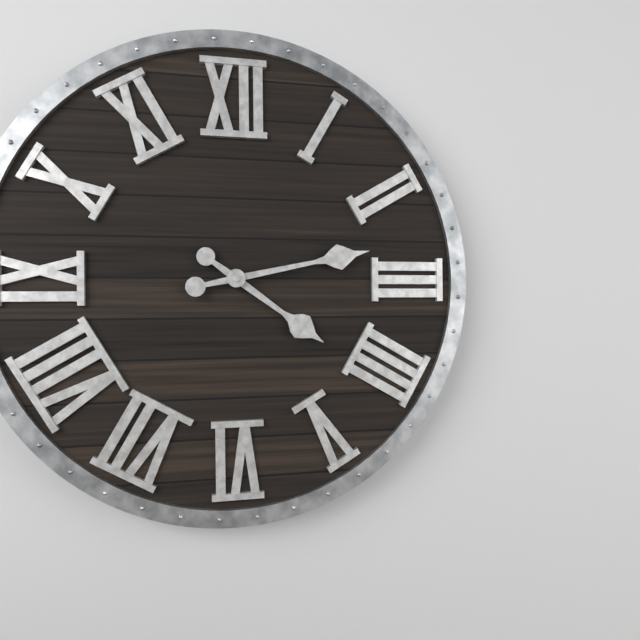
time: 4:13
